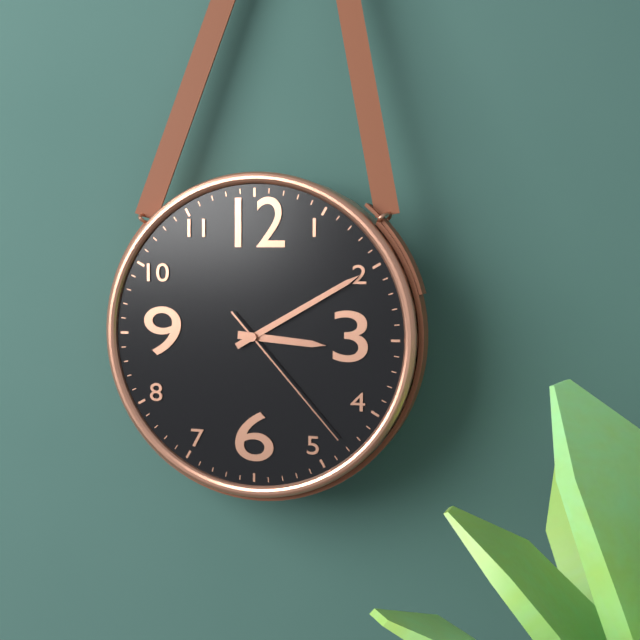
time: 3:10:23
